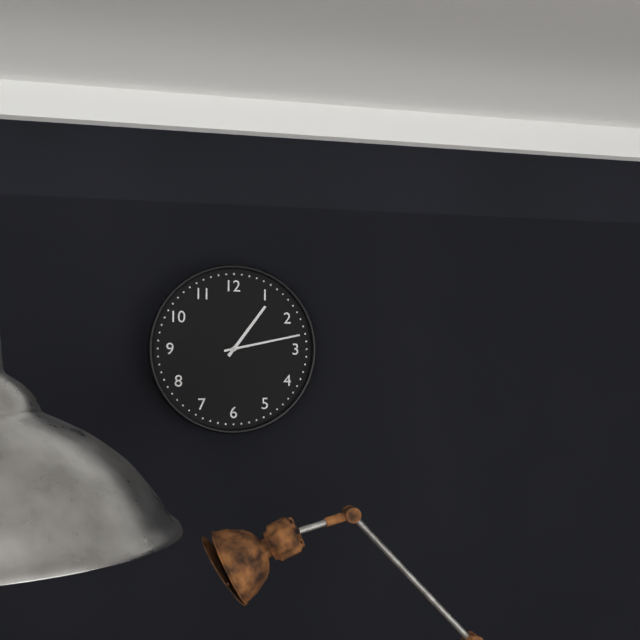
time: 1:13
